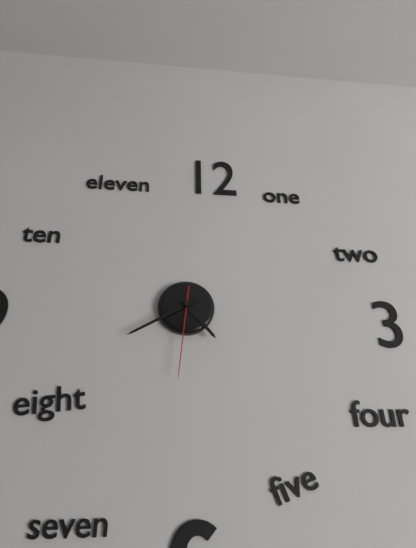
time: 4:40:31
